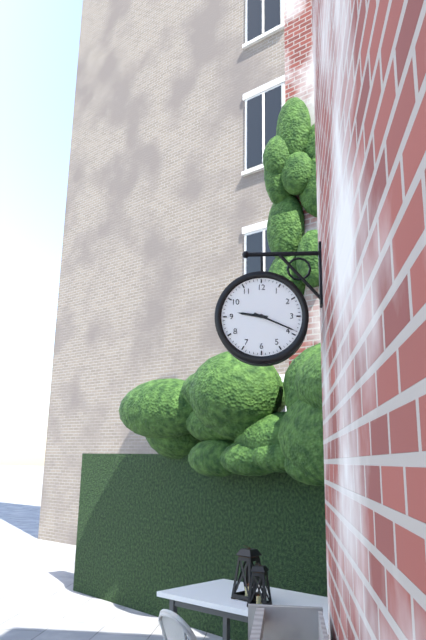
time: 9:19
